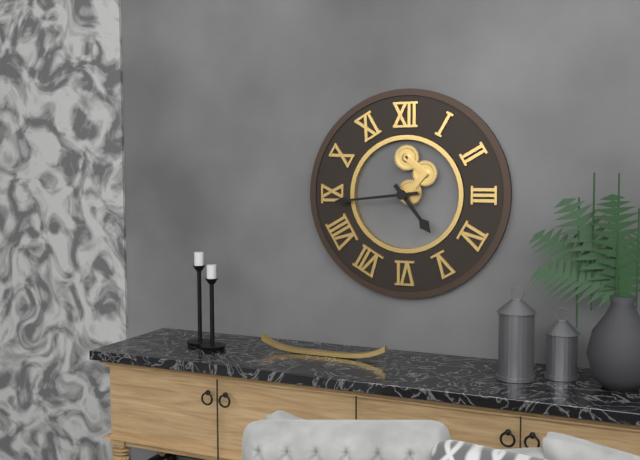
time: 4:44
